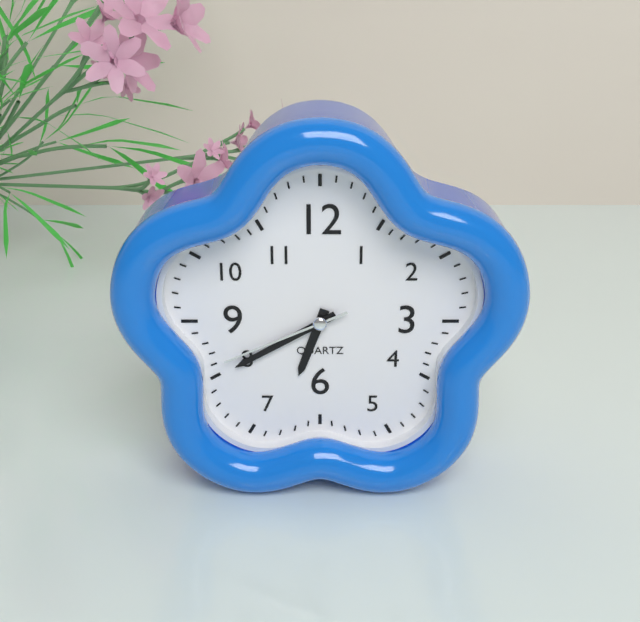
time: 6:40:41
